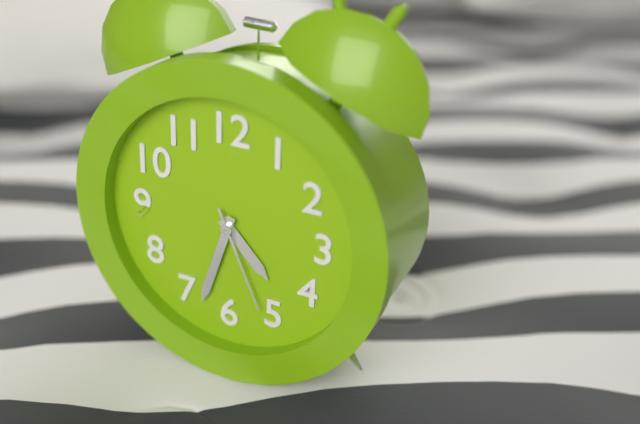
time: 4:33:26
